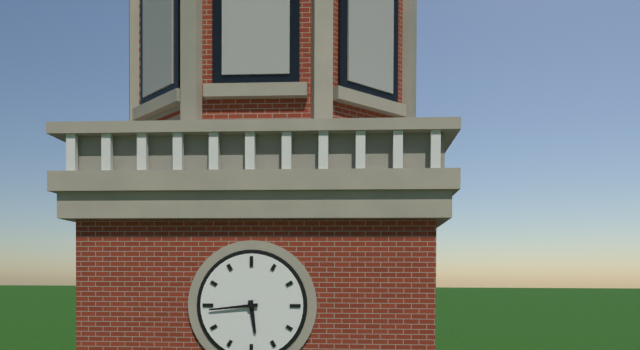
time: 5:44
